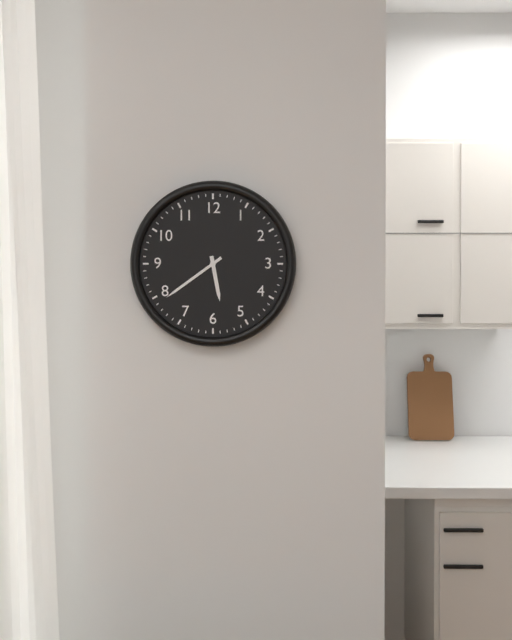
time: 5:39
